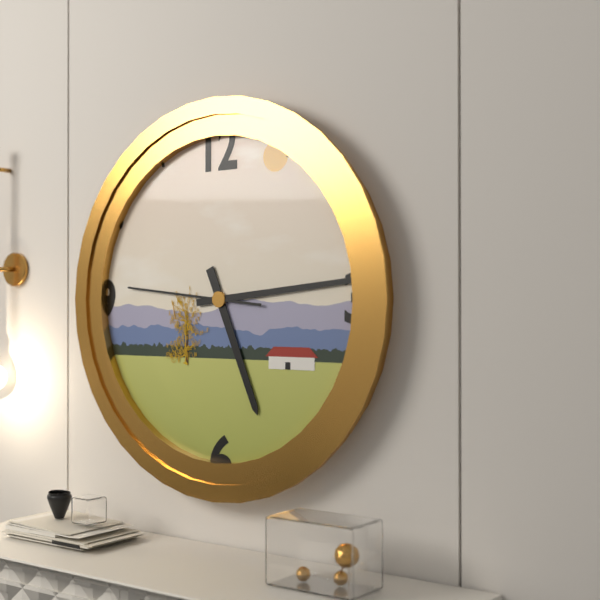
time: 5:14:46
